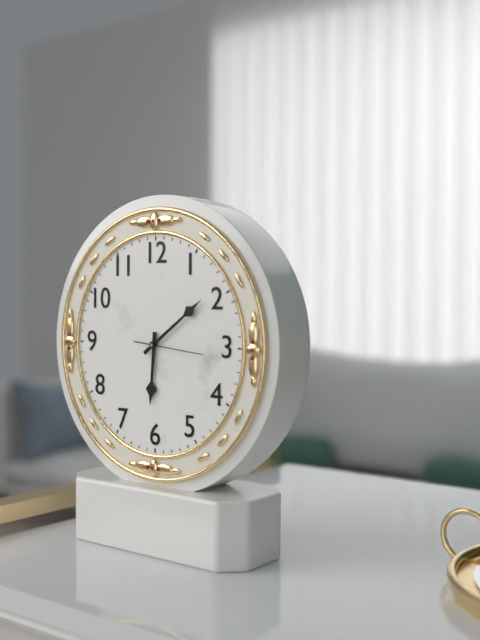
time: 6:09:16
